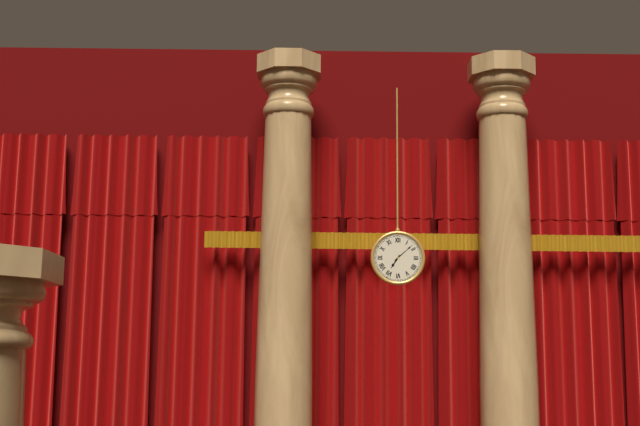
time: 7:08
